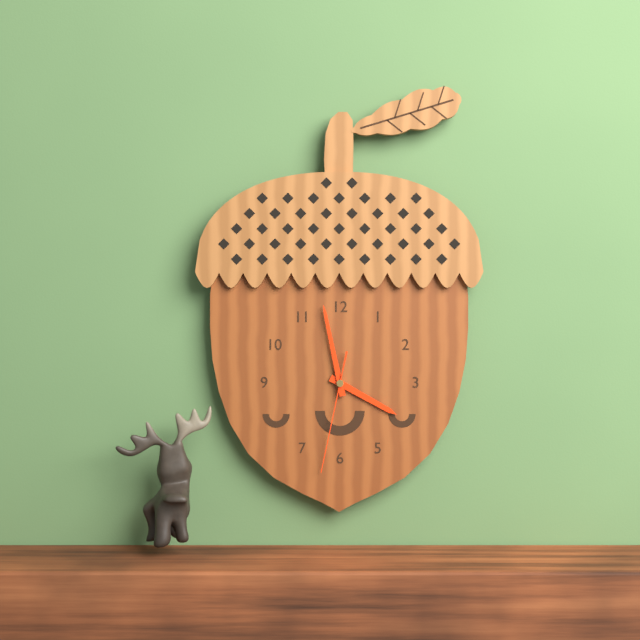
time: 3:58:32
